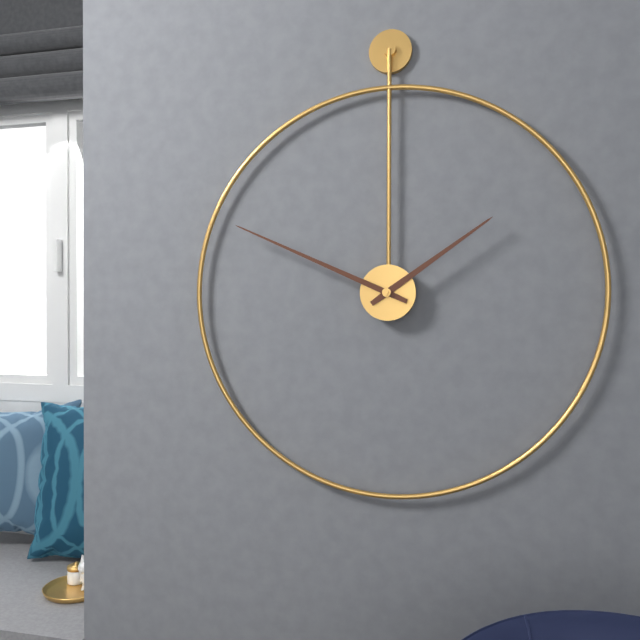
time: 1:49
